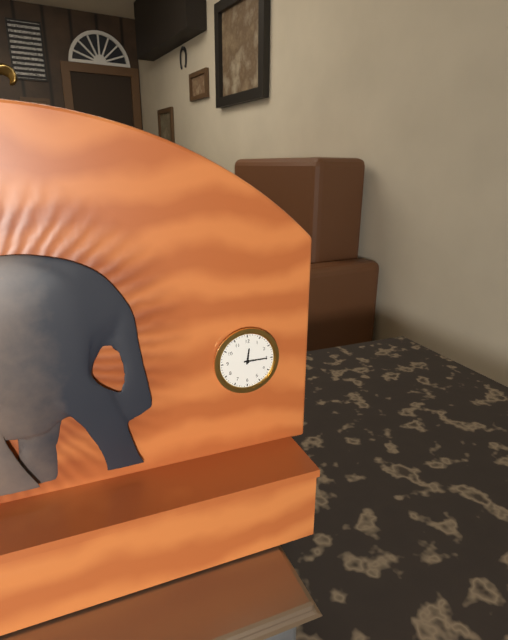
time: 12:15
